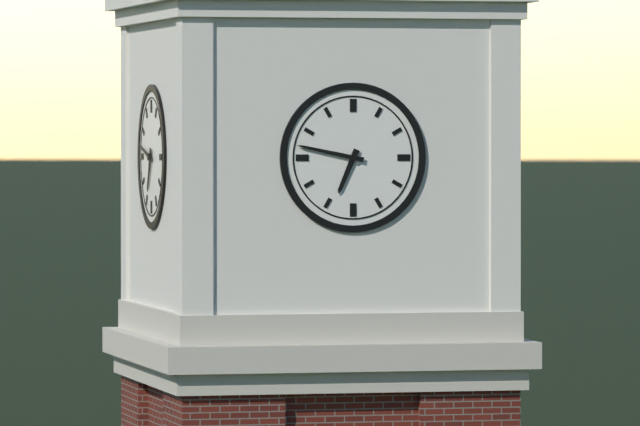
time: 6:47
